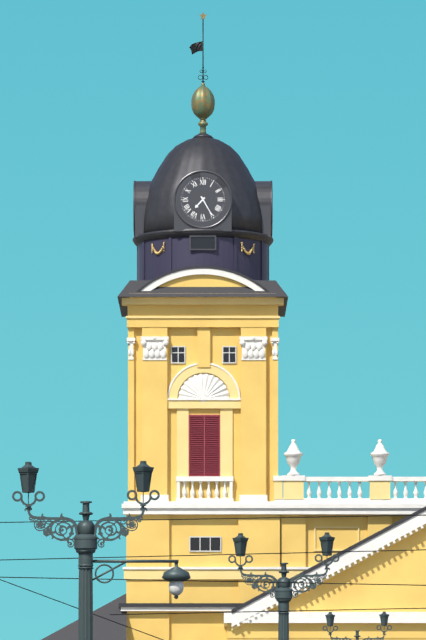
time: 7:25
